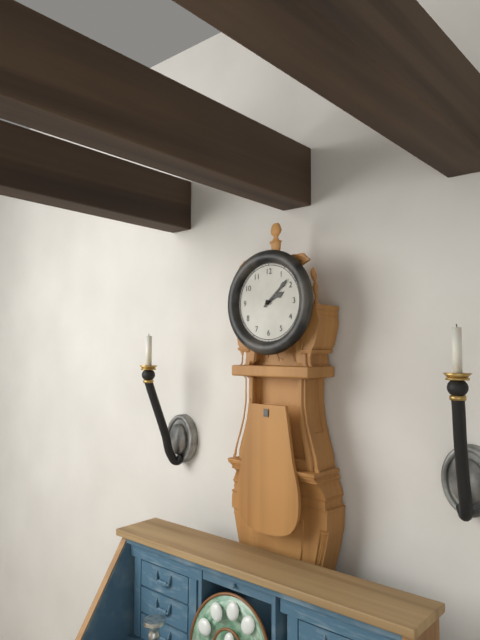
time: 2:08
